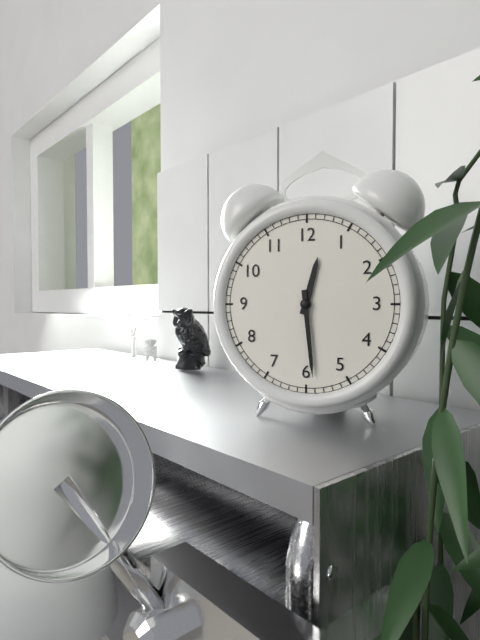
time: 12:29
